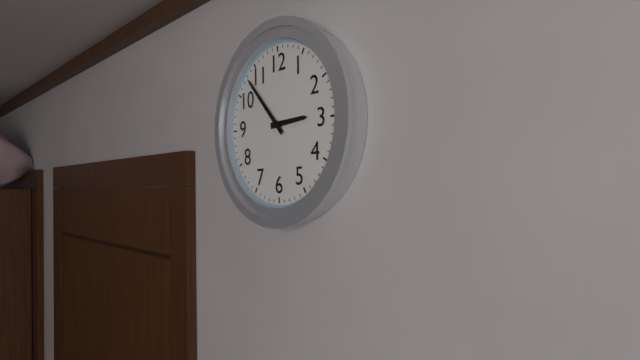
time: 2:53
